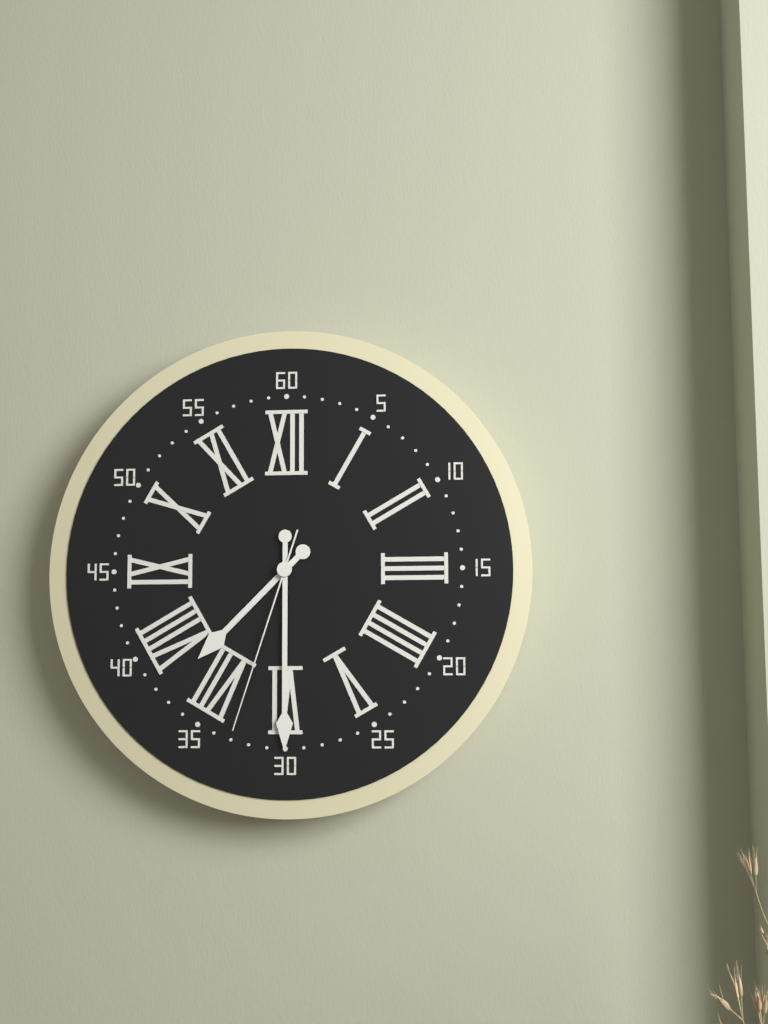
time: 7:30:33
